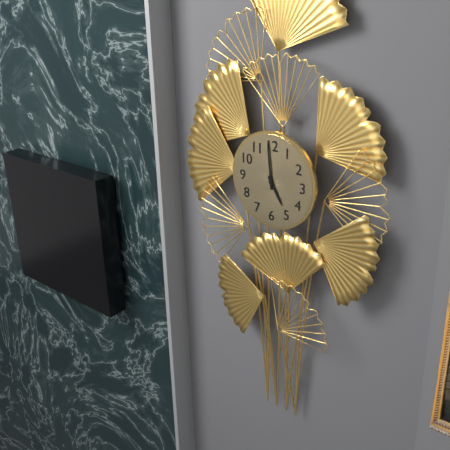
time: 4:59
